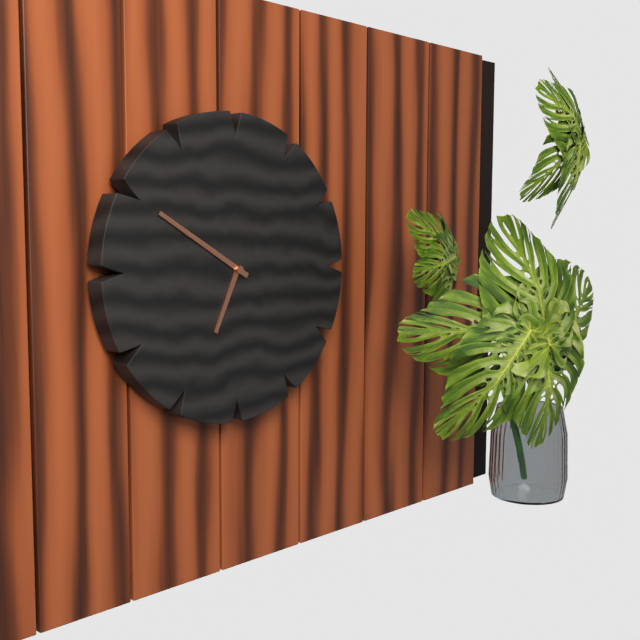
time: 6:50
